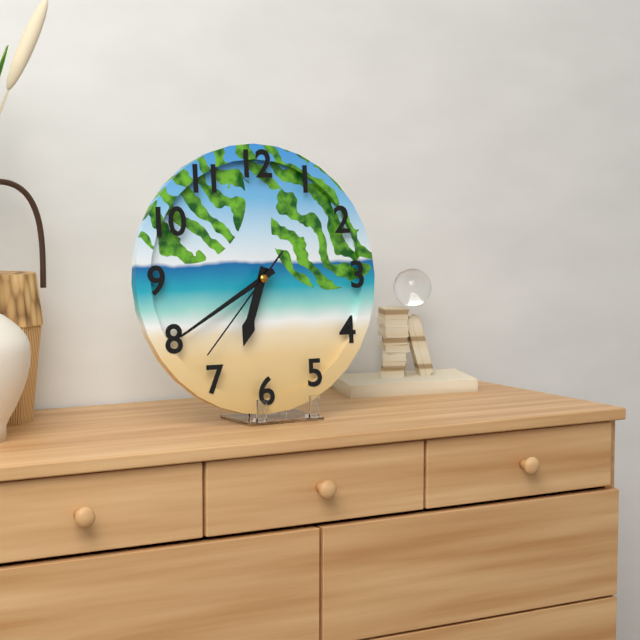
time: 6:40:37
